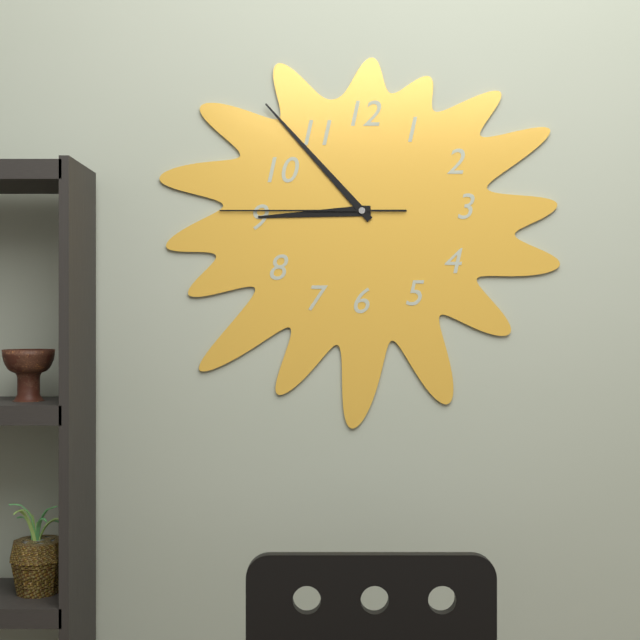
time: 8:53:45
